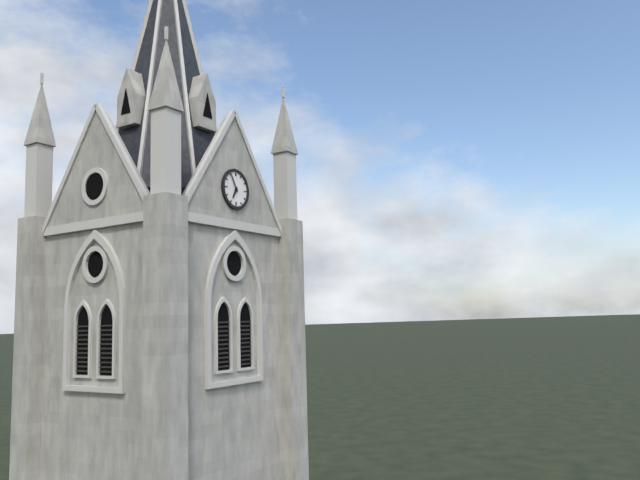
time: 6:55
